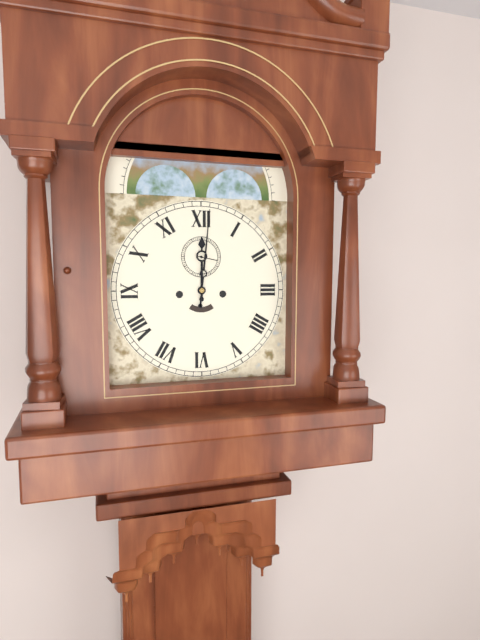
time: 12:01
